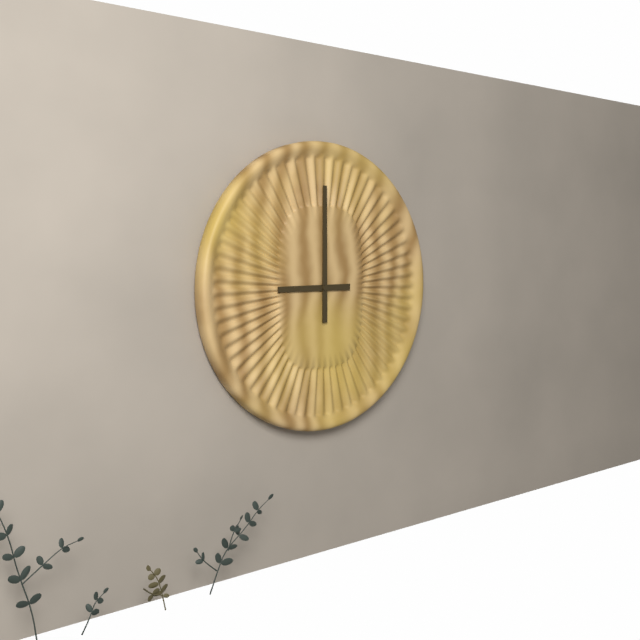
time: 9:00
